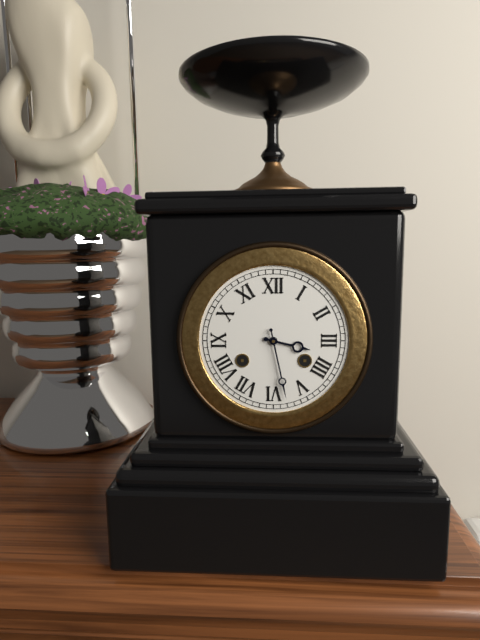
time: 3:28
